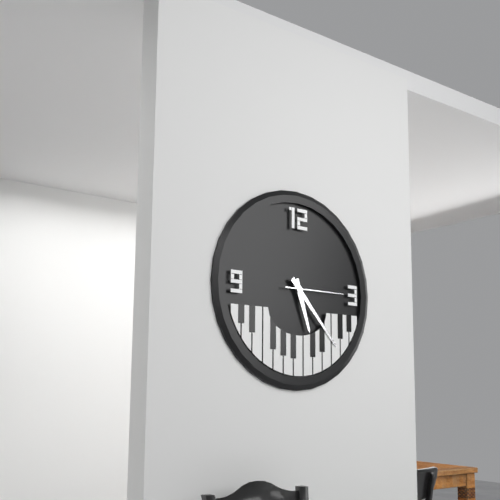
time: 5:23:15
